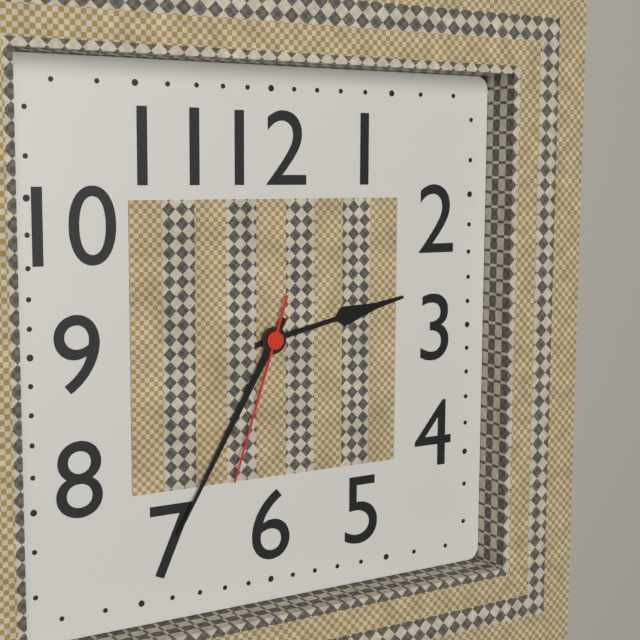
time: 2:35:33
